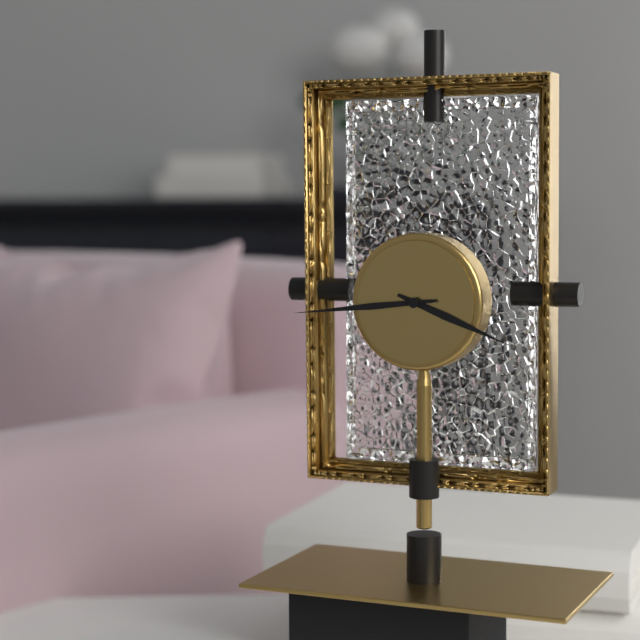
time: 3:44
